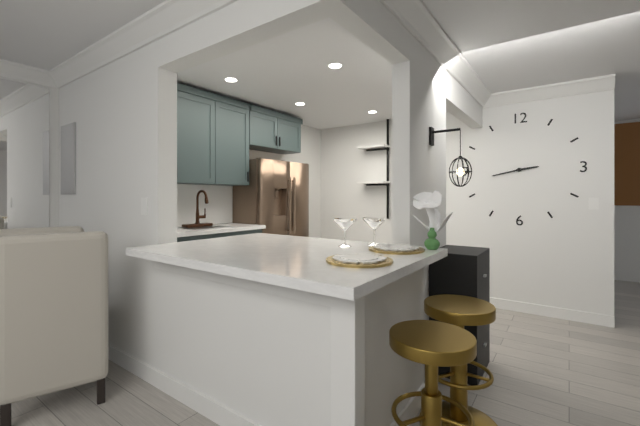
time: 2:43
